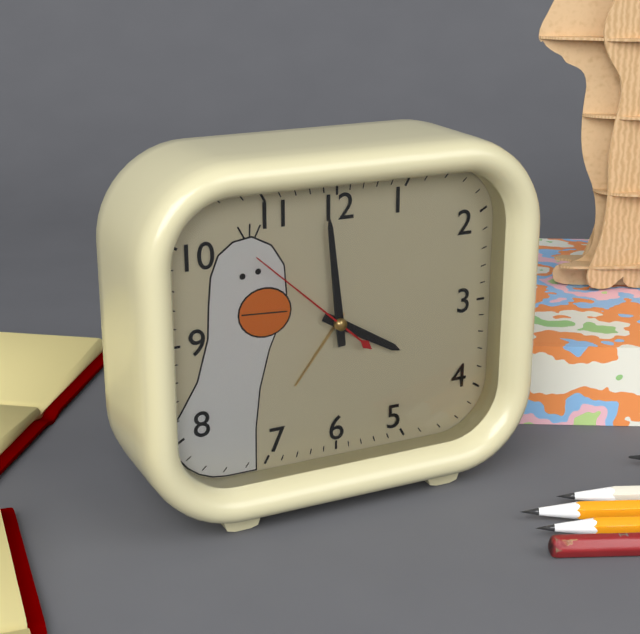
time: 3:59:52
